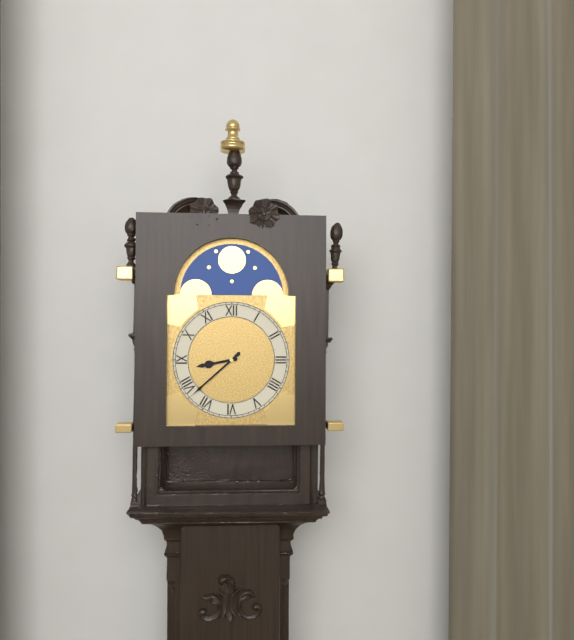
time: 8:38
